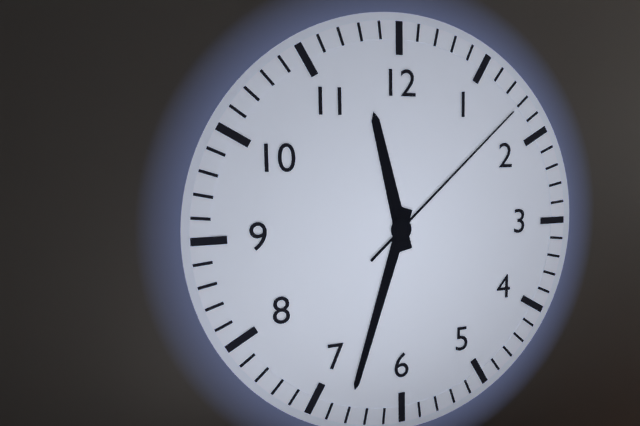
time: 11:33:08
